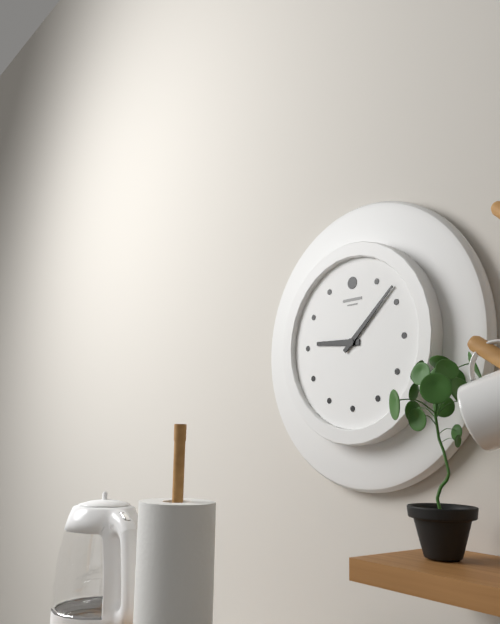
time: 9:08
